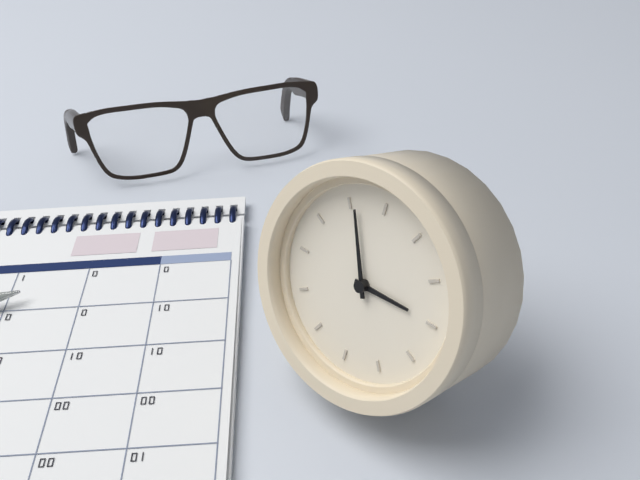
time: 2:56
